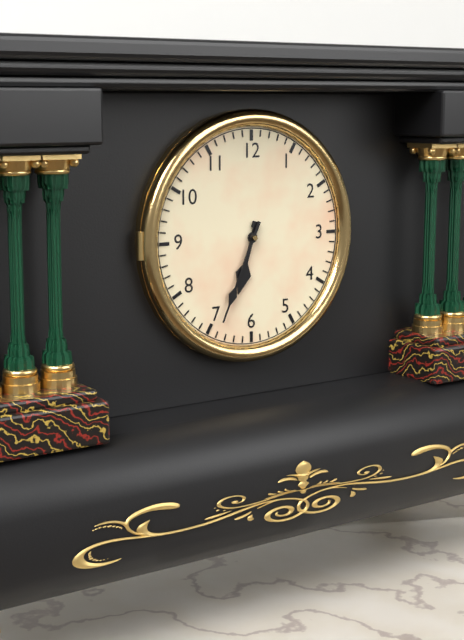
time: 6:34
